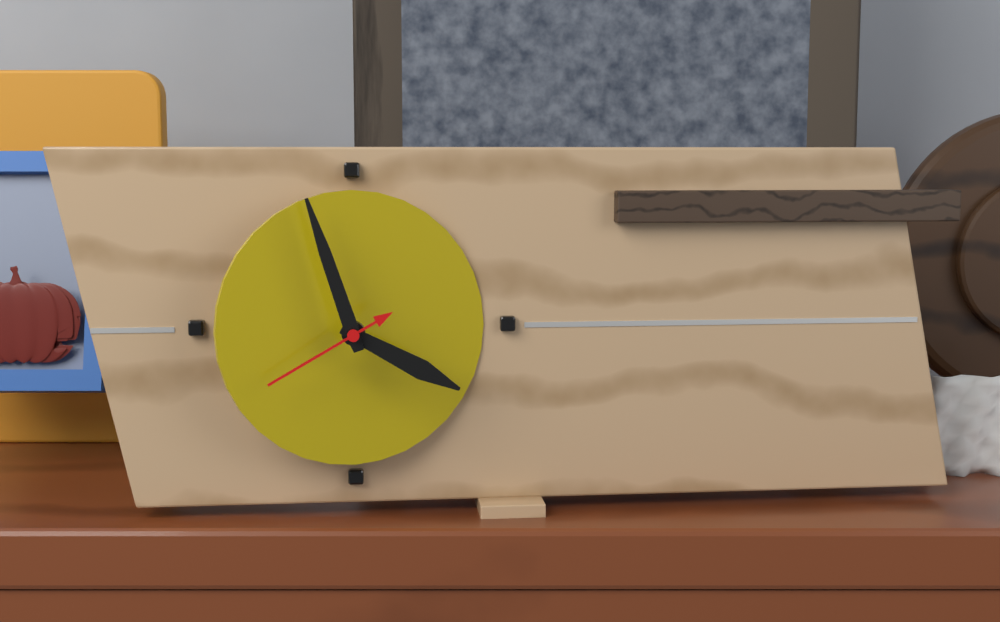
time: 3:57:40
